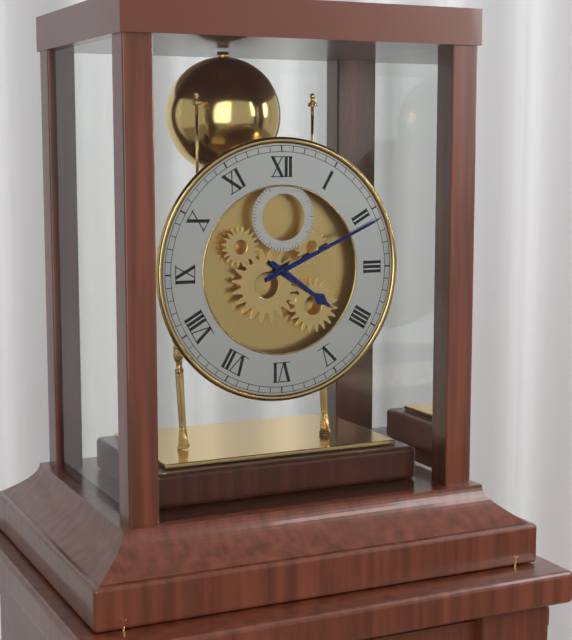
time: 4:11
